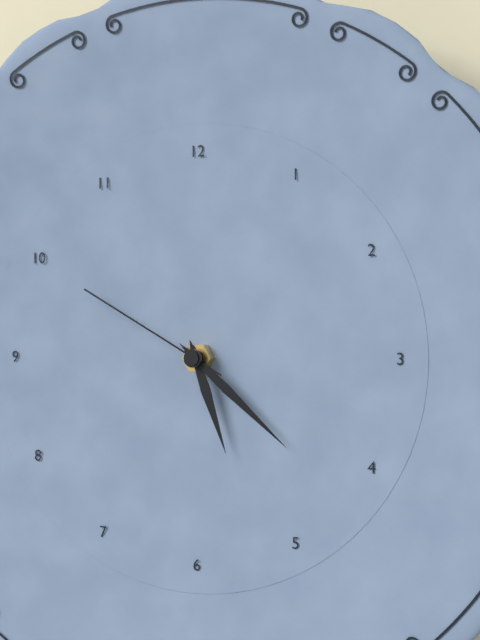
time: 5:22:50
